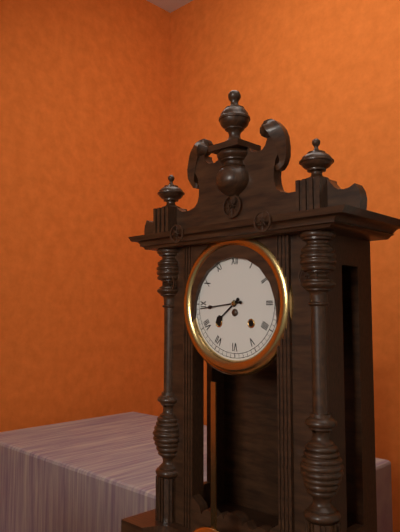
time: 7:44
